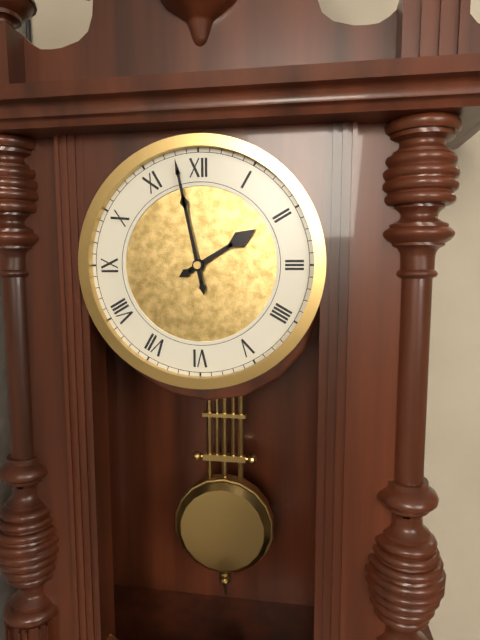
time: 1:58
